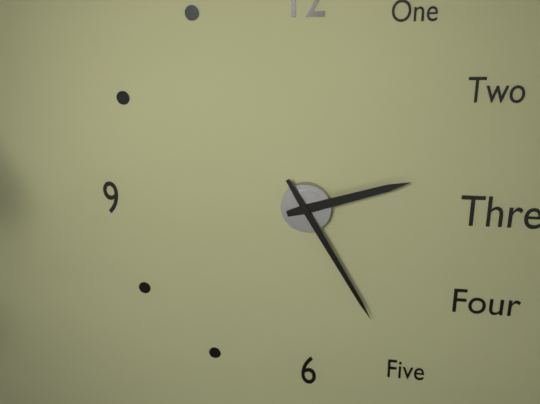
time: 2:25
